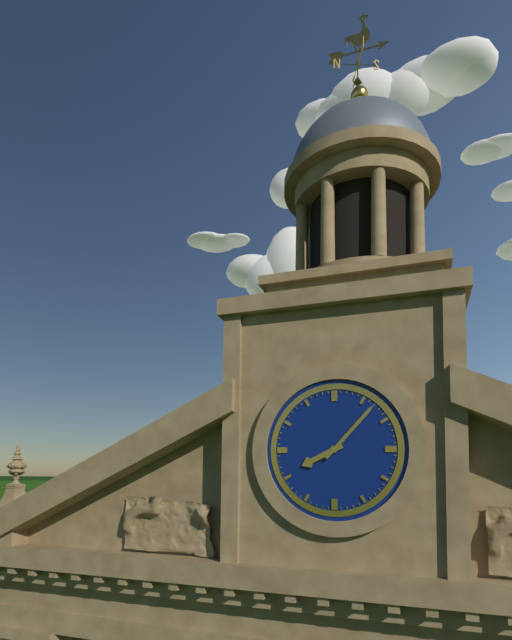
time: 8:07
